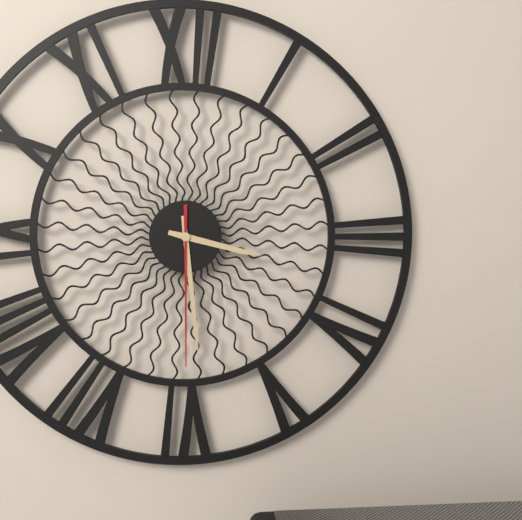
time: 3:29:30
